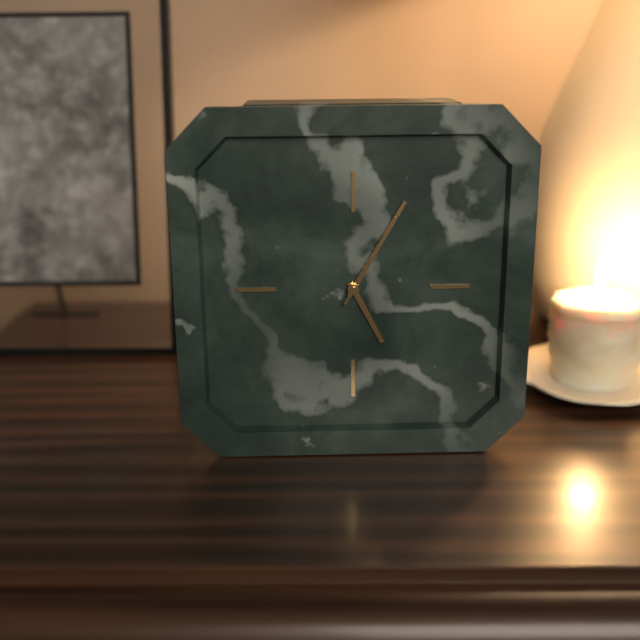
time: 5:05:05
